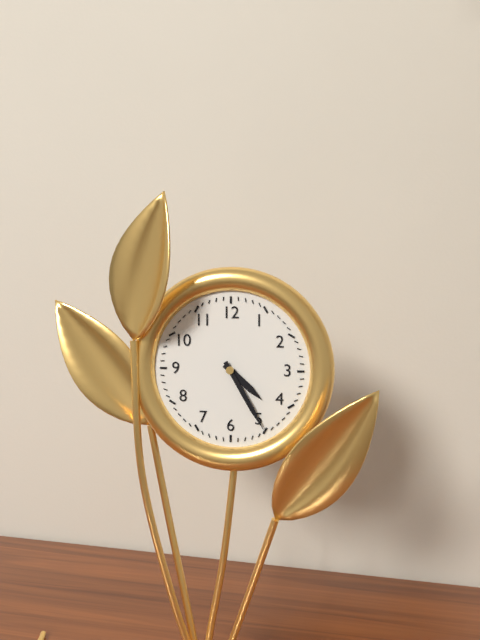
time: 4:25
